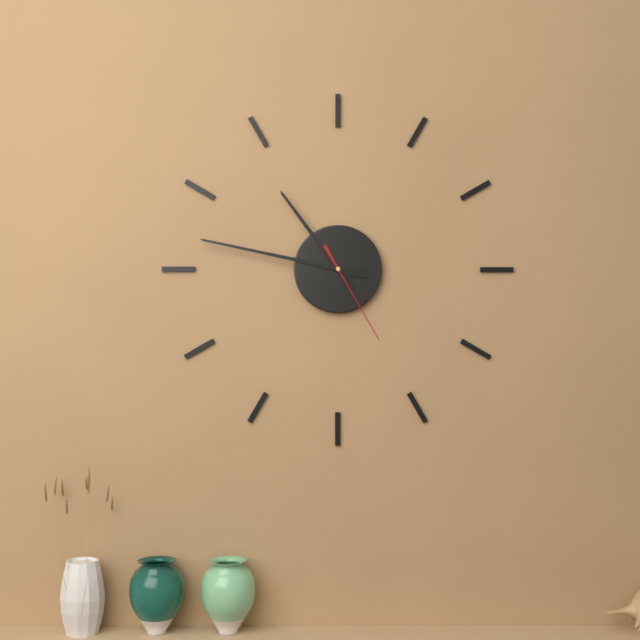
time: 10:47:25
